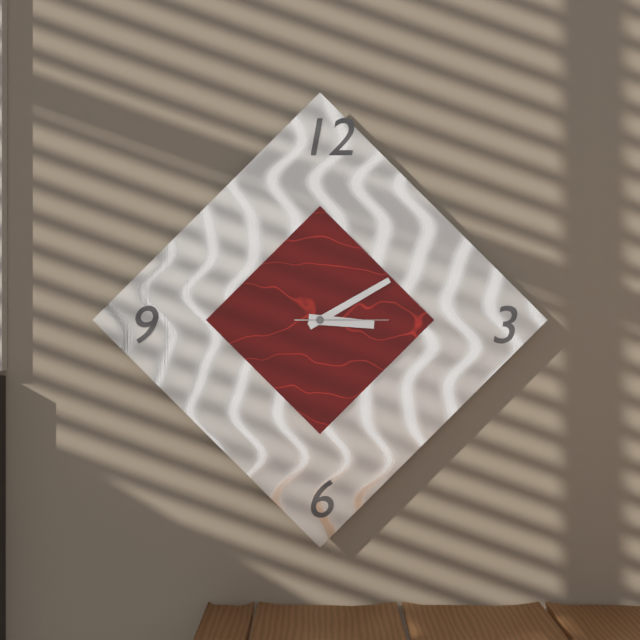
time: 3:10:15
